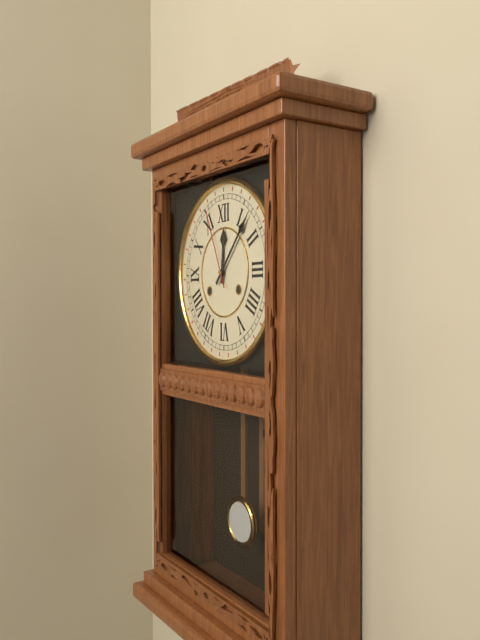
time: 12:07:56
